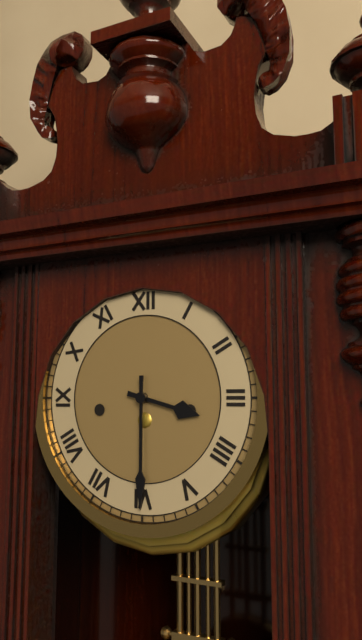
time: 3:30
